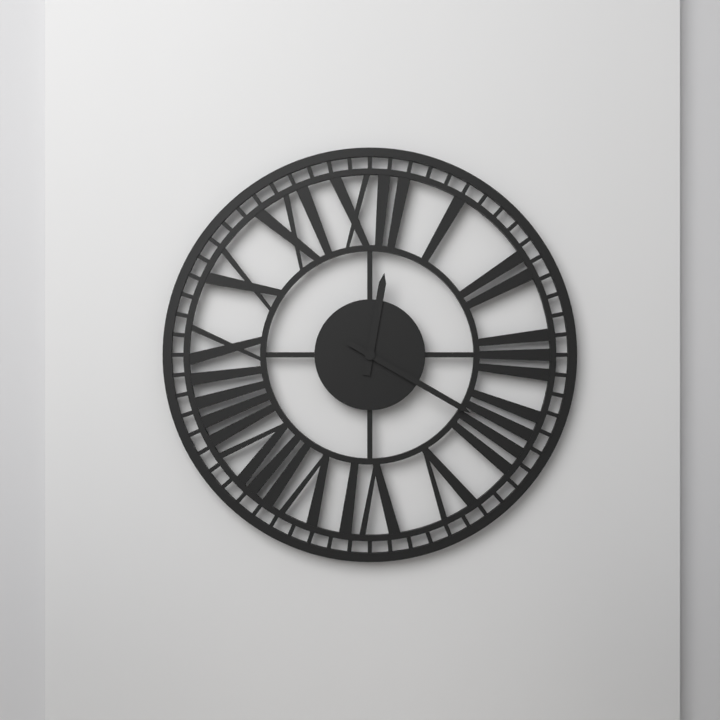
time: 12:20
